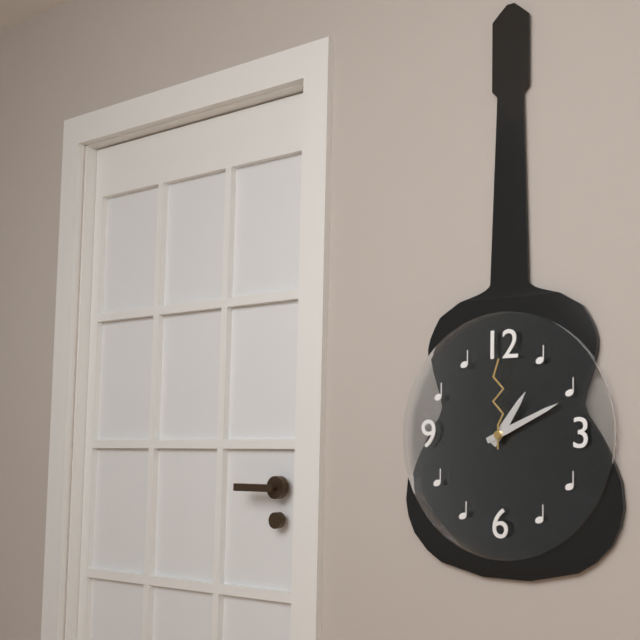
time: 1:11:00
